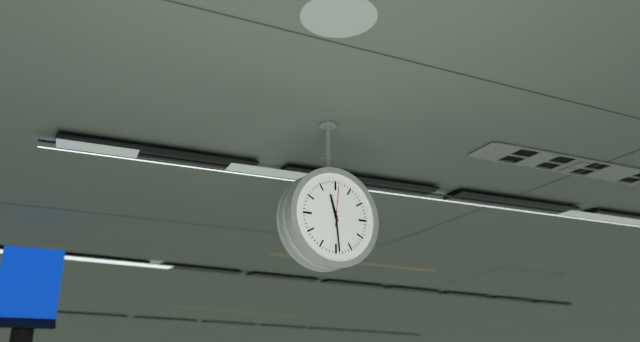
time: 11:29
